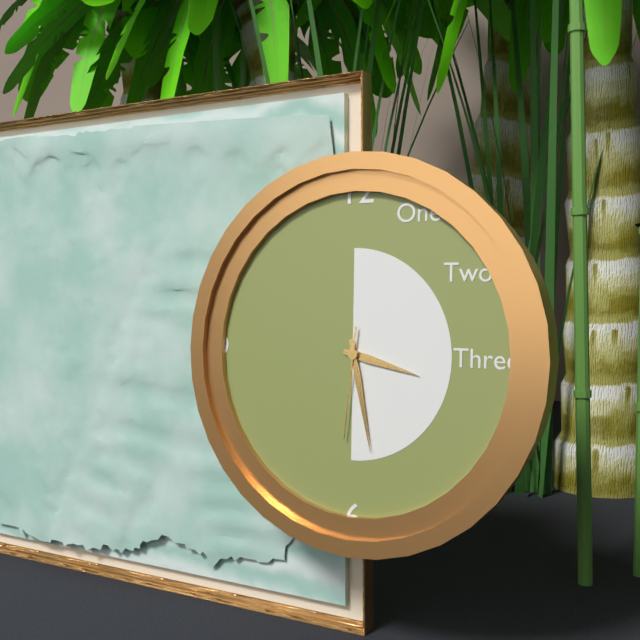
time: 3:28:31
